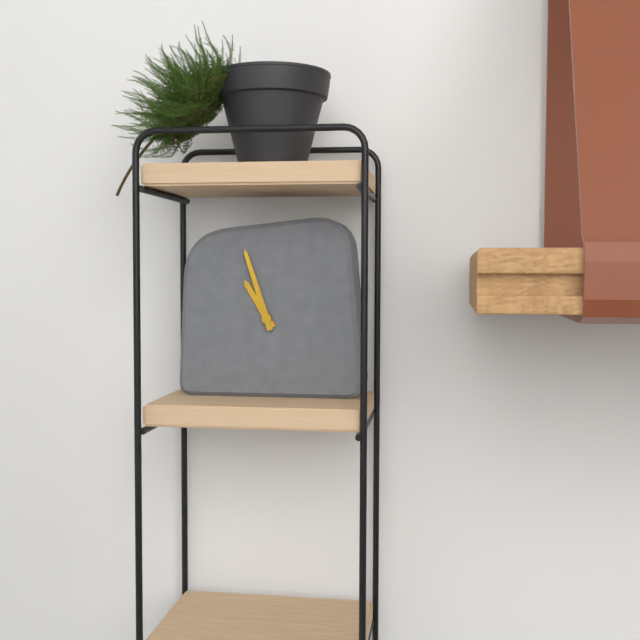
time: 10:57
